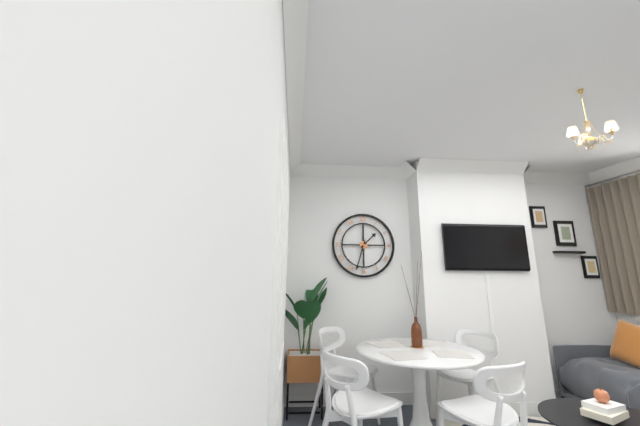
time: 1:33
